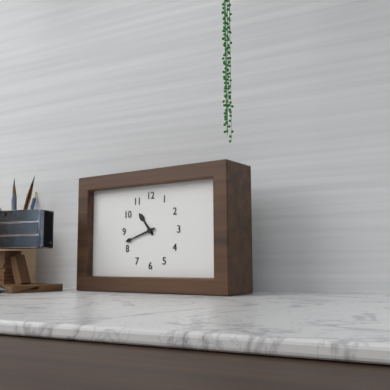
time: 10:42
